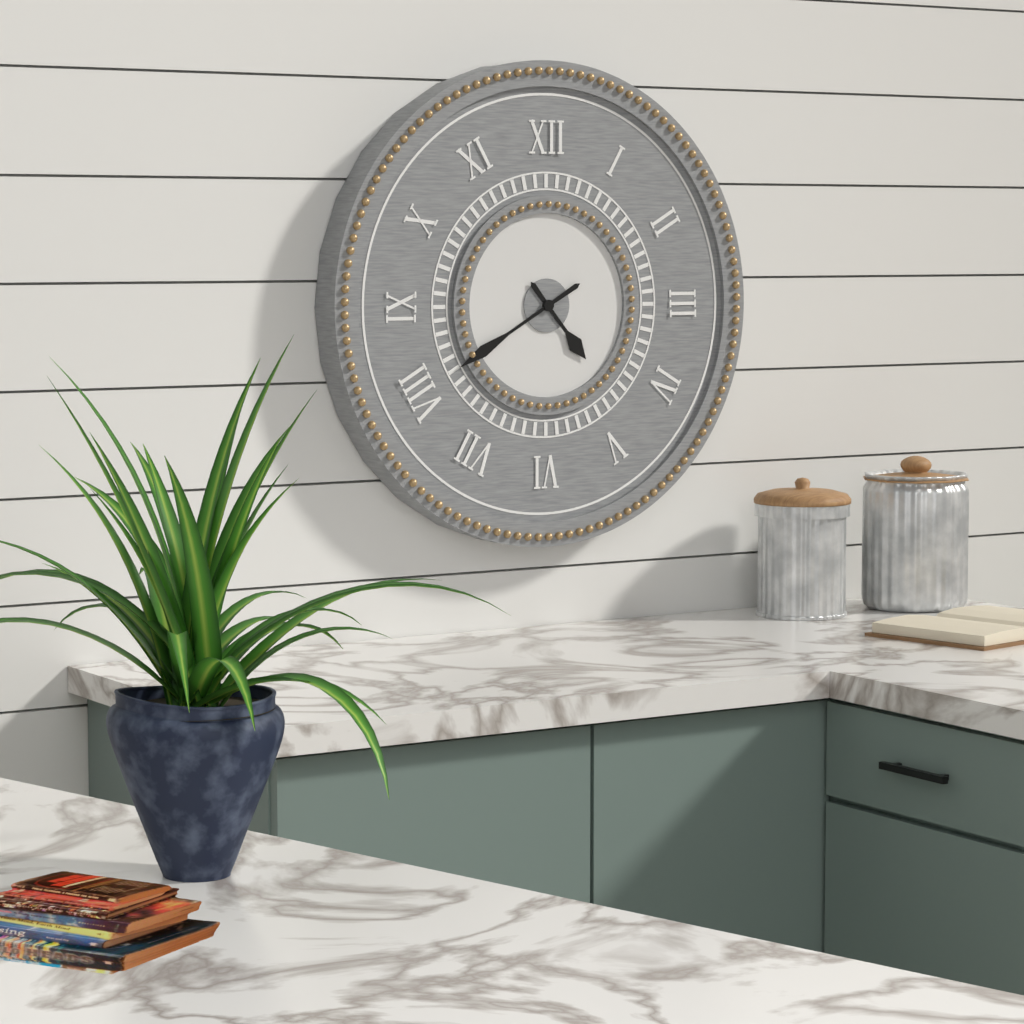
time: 4:40
